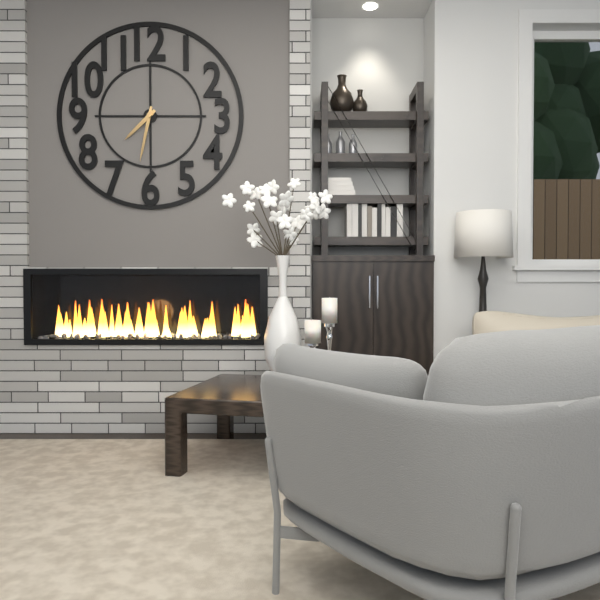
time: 7:32
